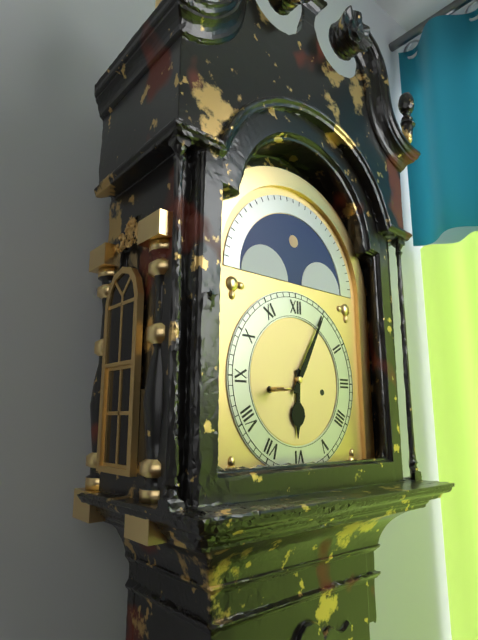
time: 6:05
